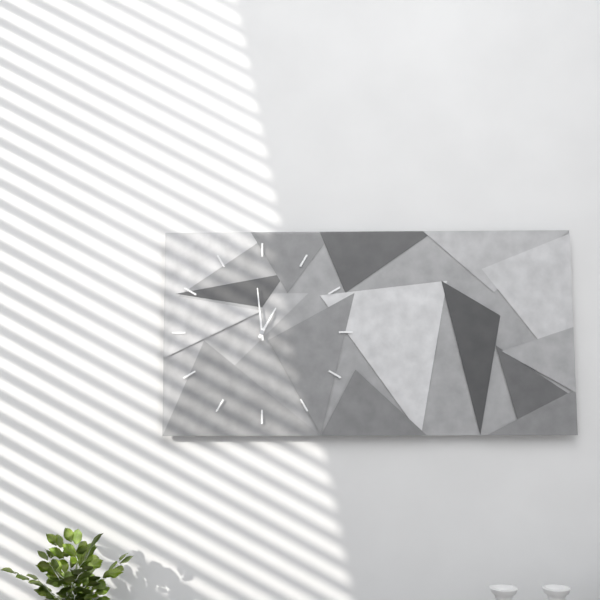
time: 12:59
